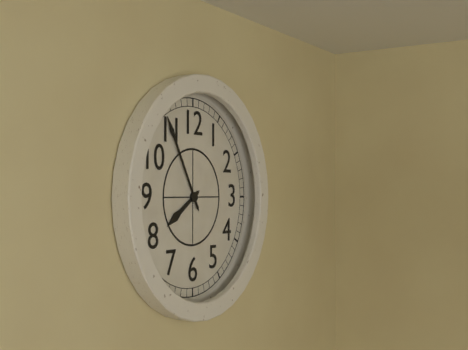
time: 7:55
